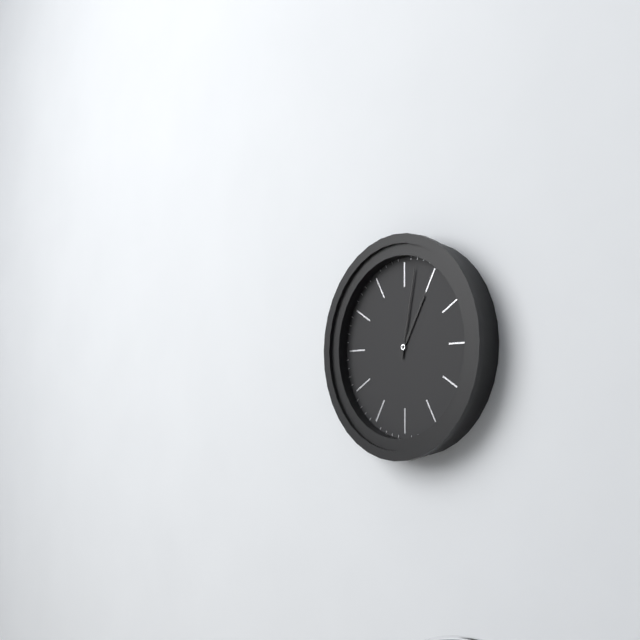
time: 1:02
